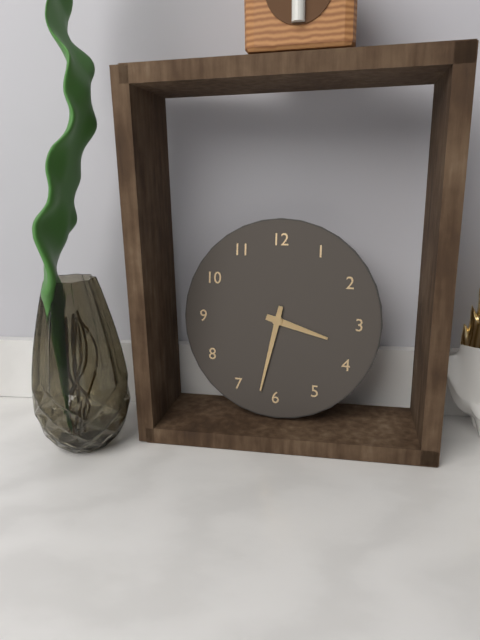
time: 3:32
